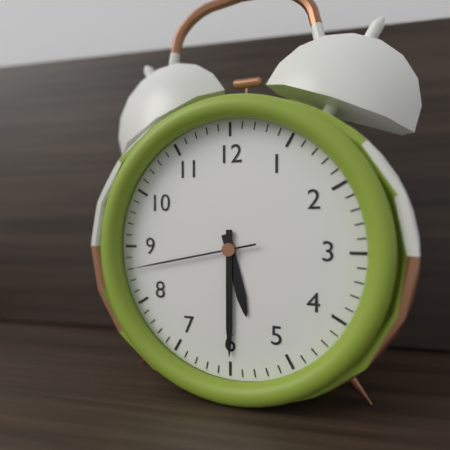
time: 5:30:43
